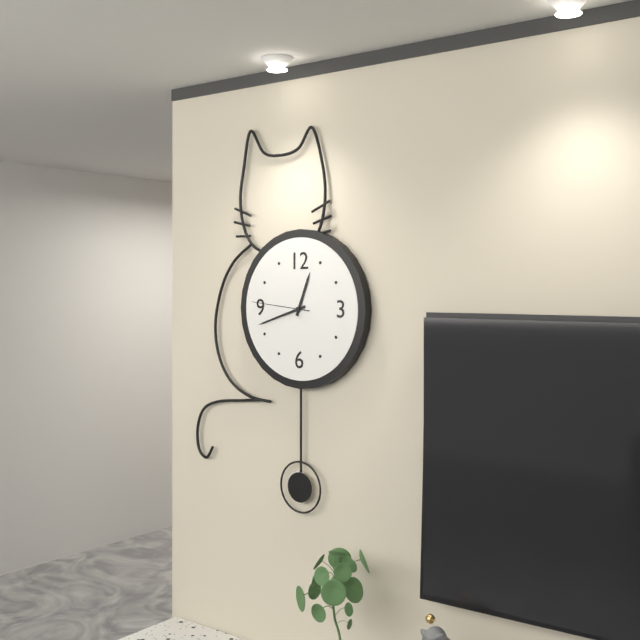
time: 12:42:46
